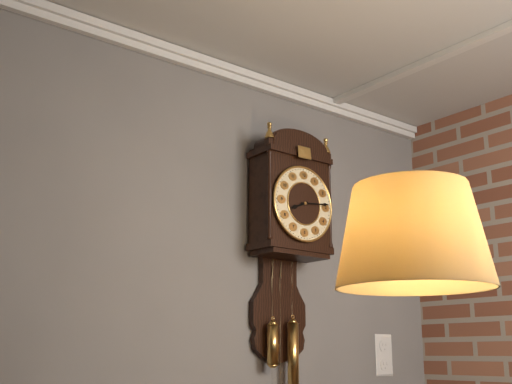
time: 8:14
